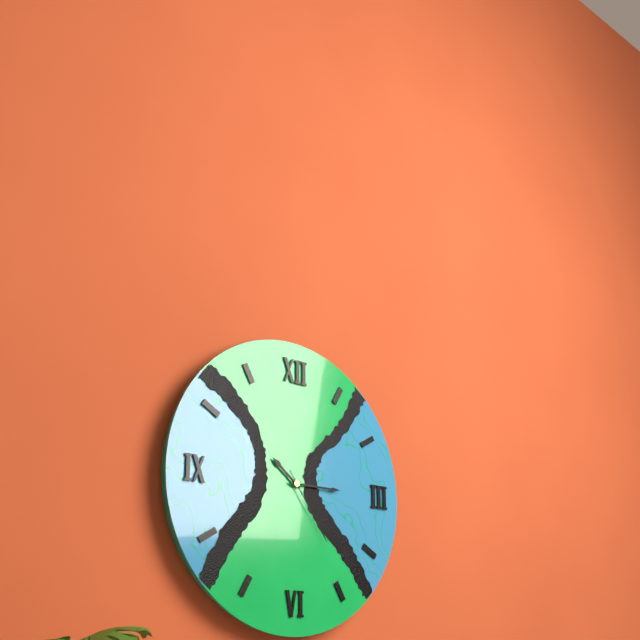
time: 10:15:24
